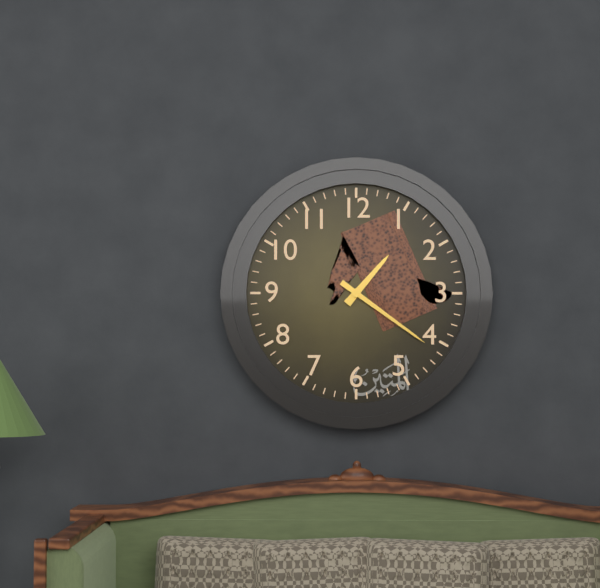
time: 1:21
